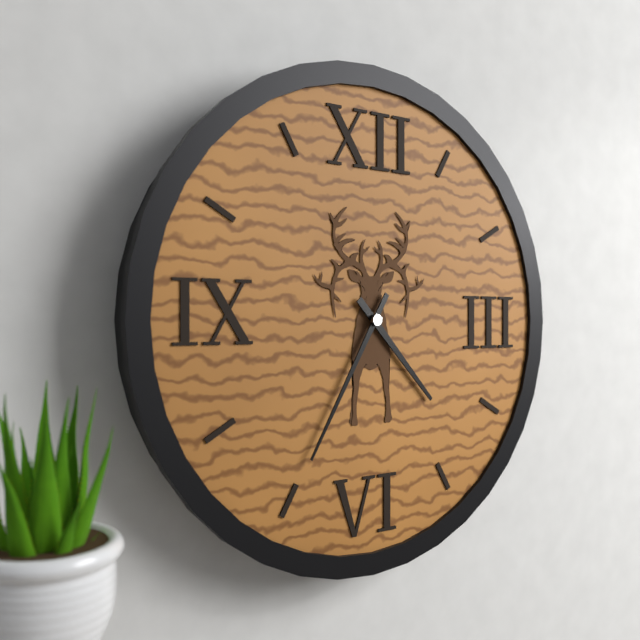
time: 4:35
